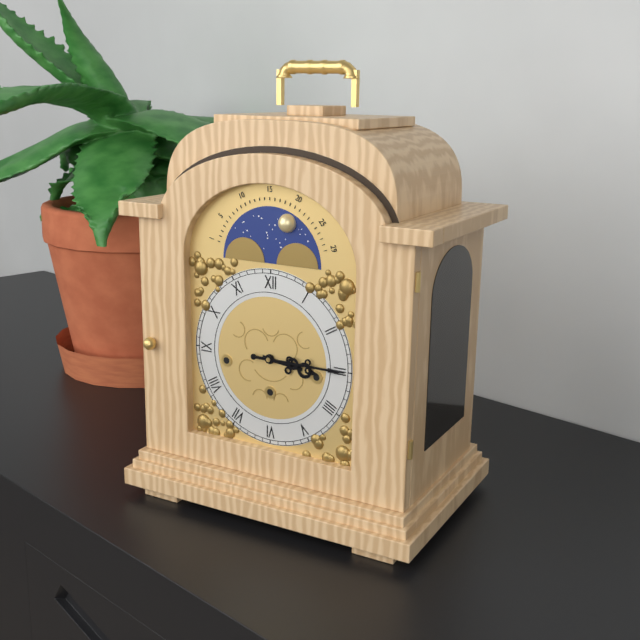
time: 3:15
